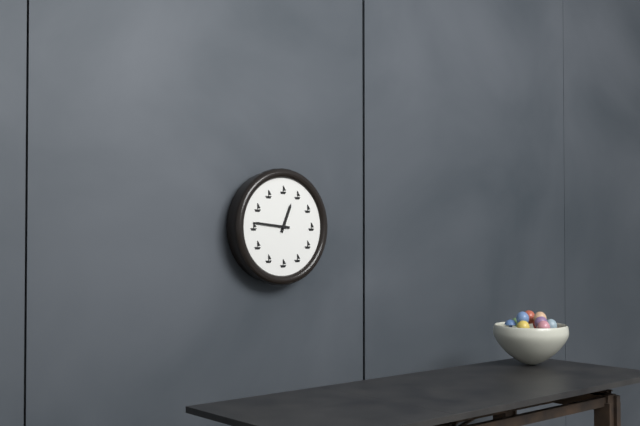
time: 12:46
